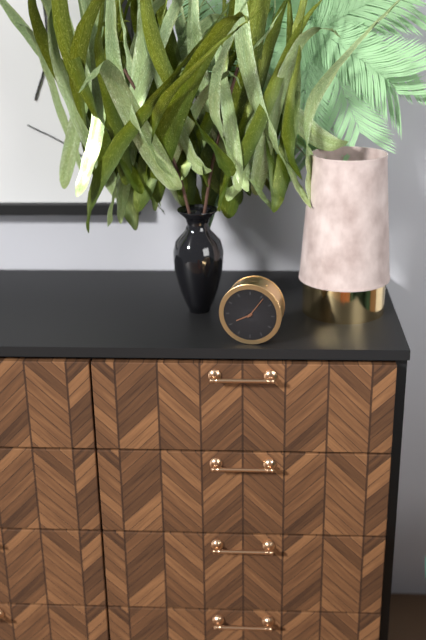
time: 8:06
